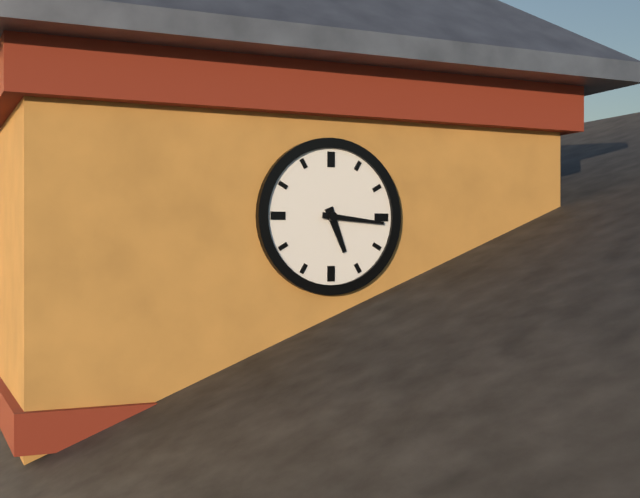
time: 5:16
